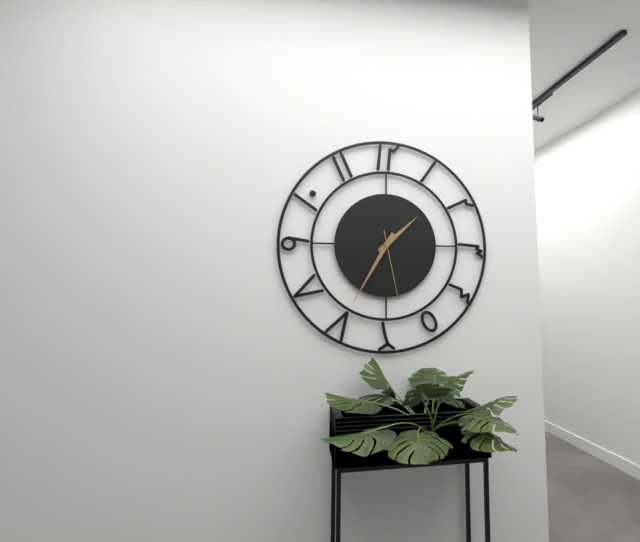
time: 1:35:28
